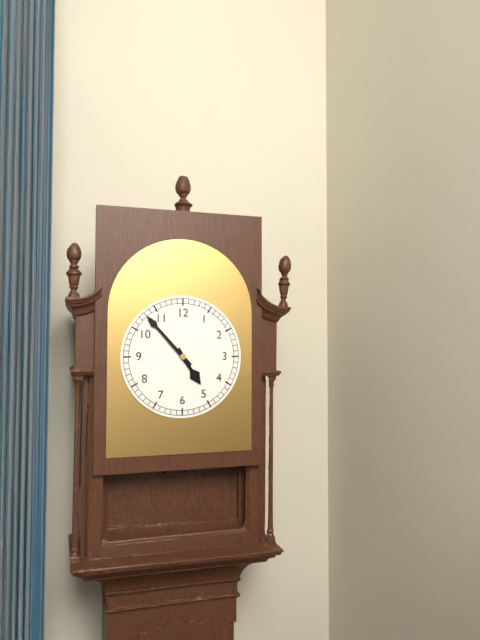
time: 4:53
